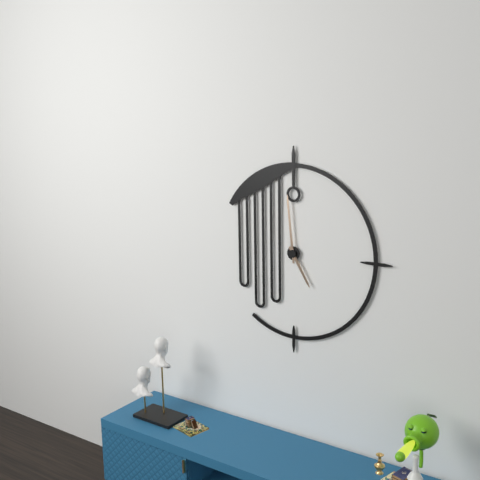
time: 4:59
